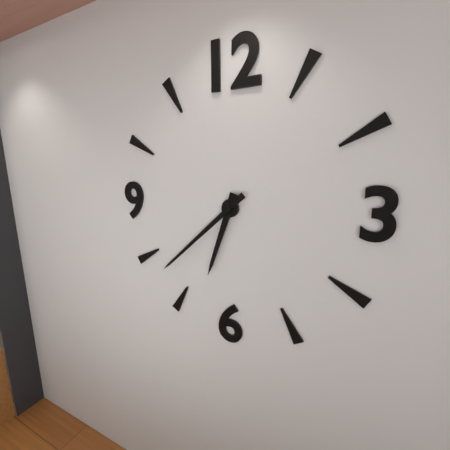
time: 6:38
